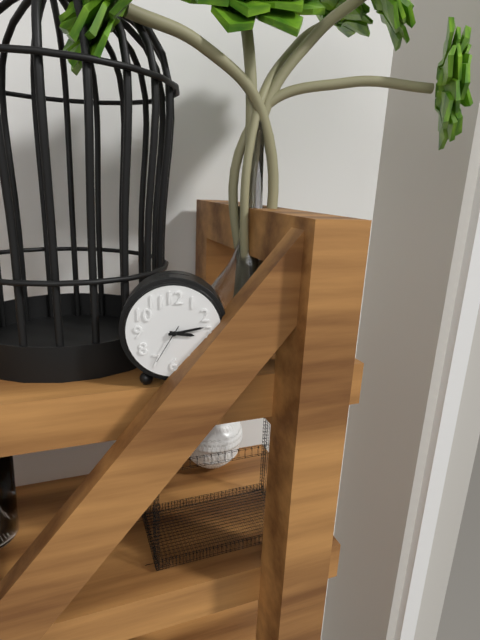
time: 3:13
